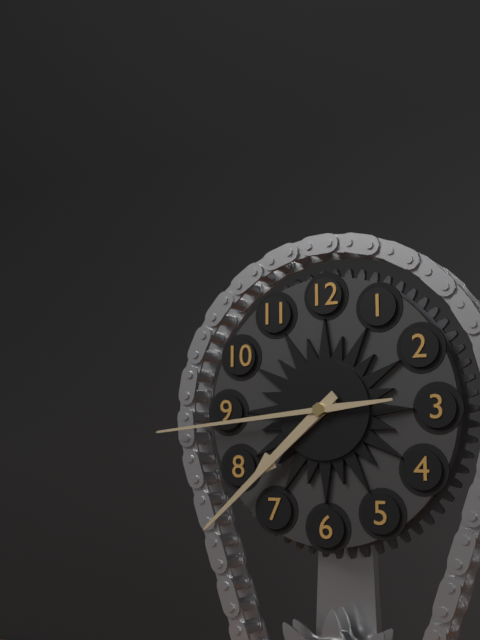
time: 7:38:44
